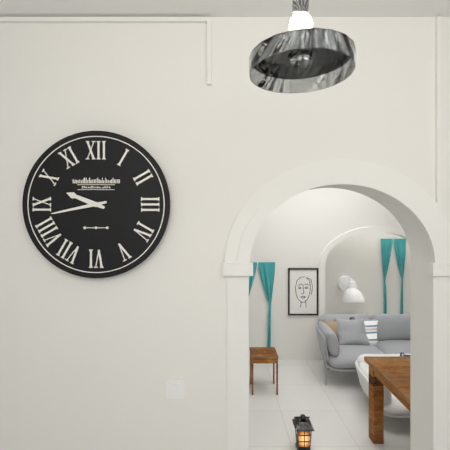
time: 9:43
